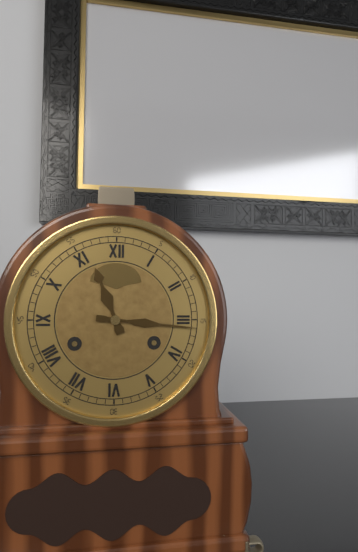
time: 11:16
